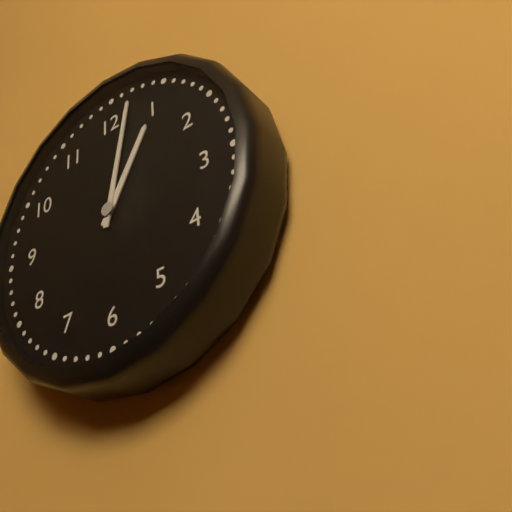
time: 1:02
